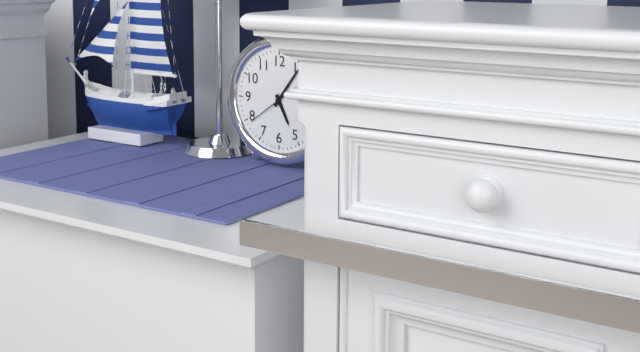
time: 5:06
